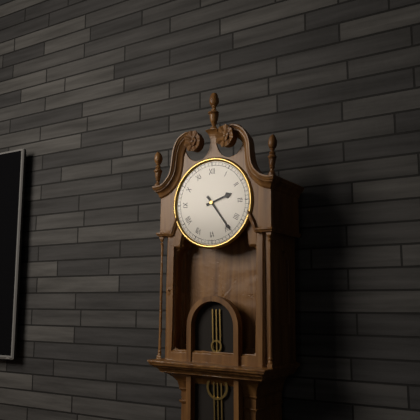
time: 2:24
